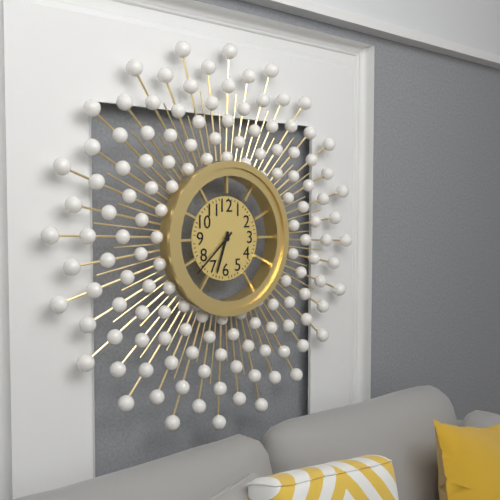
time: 6:38
